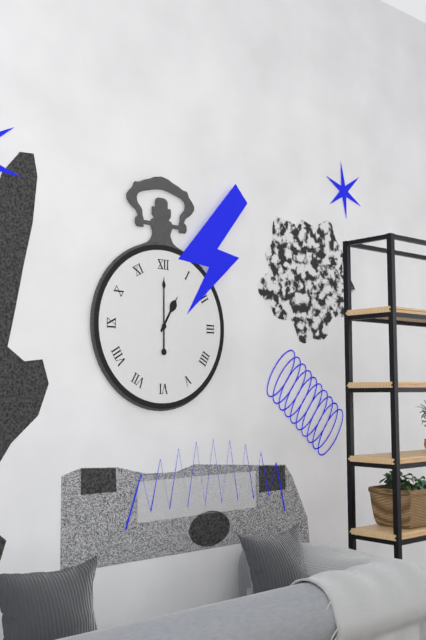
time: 1:00
